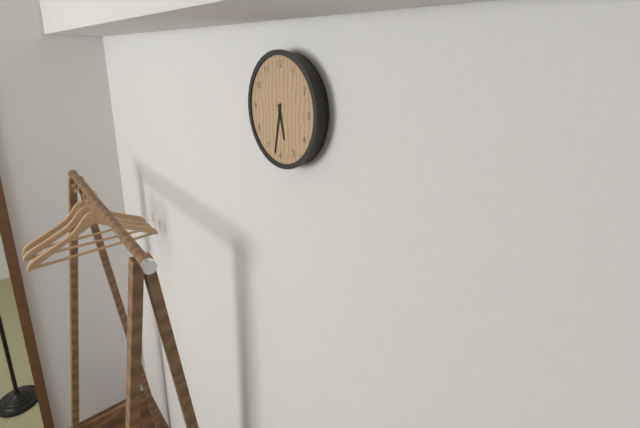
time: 5:32
